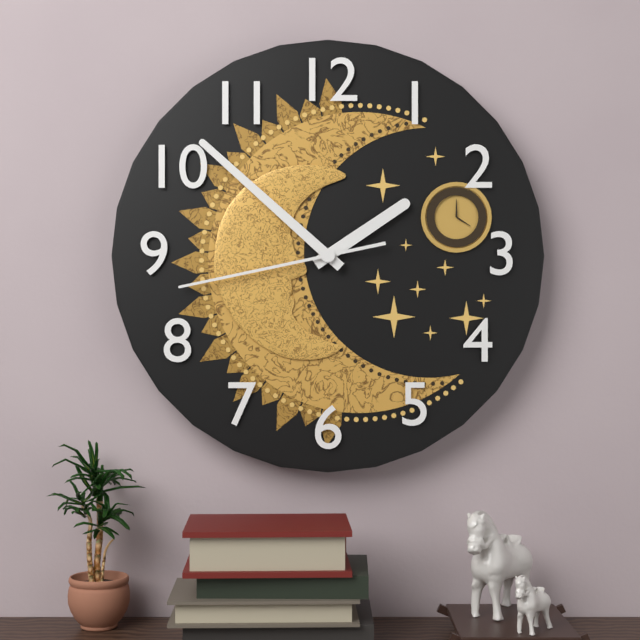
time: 1:52:43
